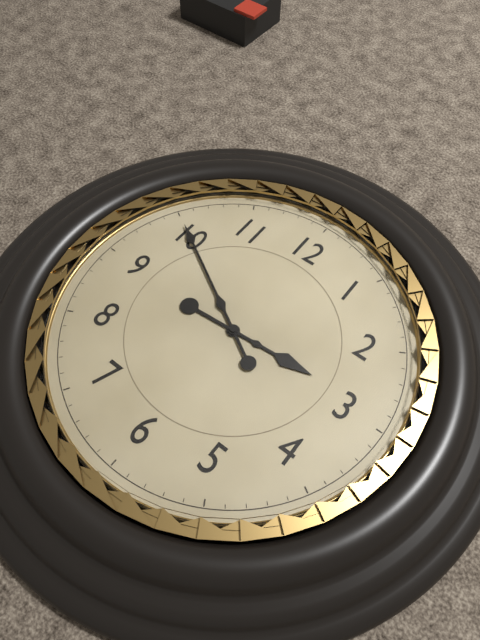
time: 2:50
